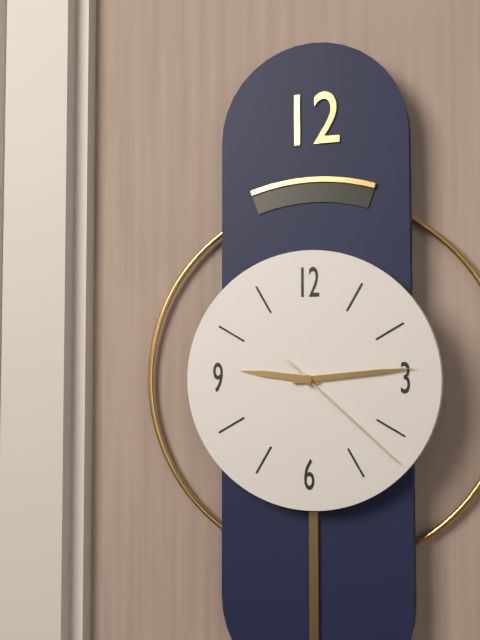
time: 9:14:22
